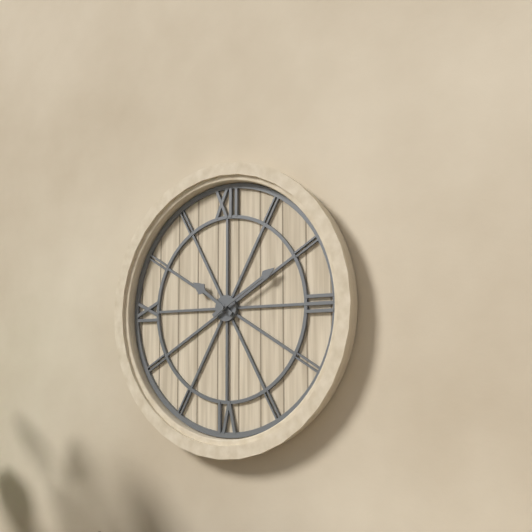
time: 10:10
